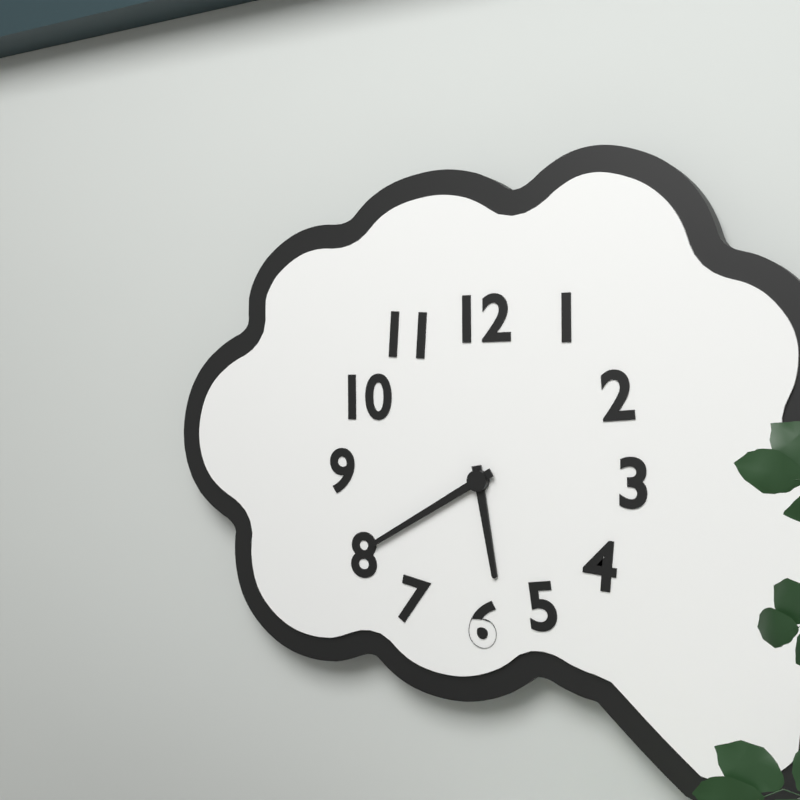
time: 5:40
